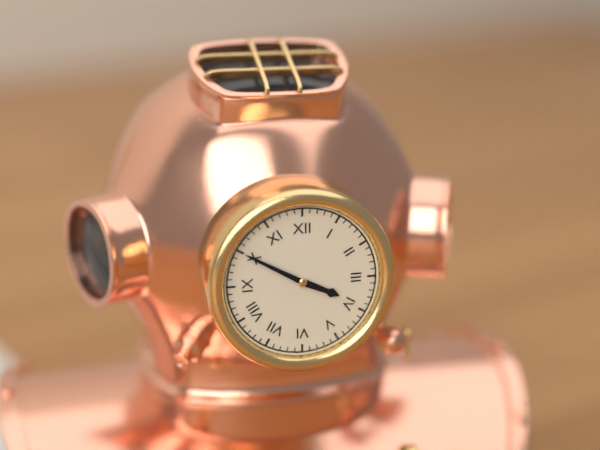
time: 3:50
